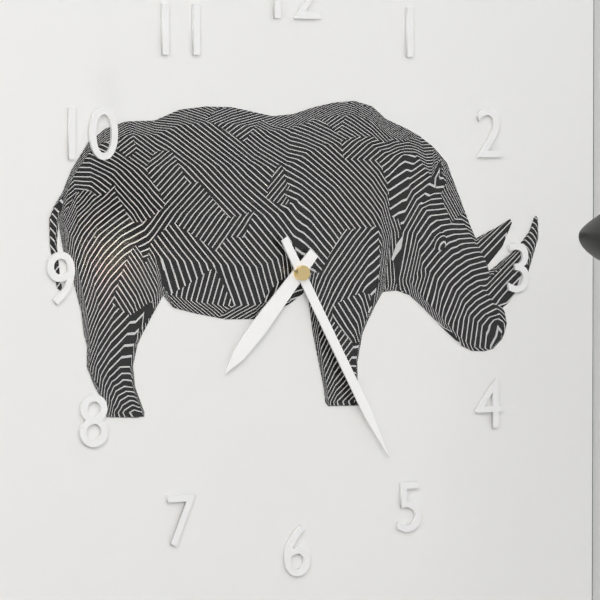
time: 7:25
